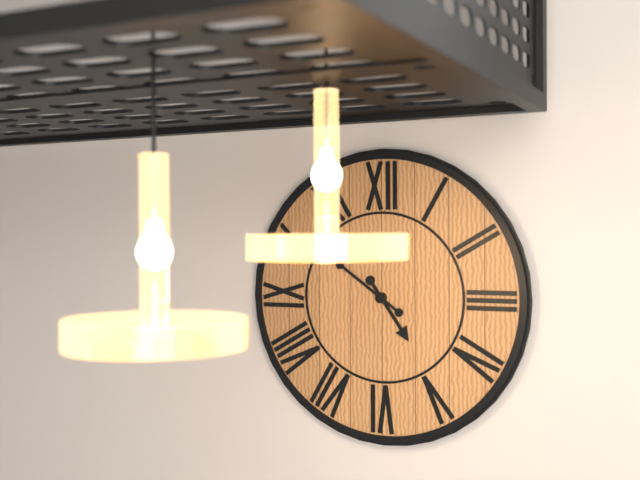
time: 4:51
